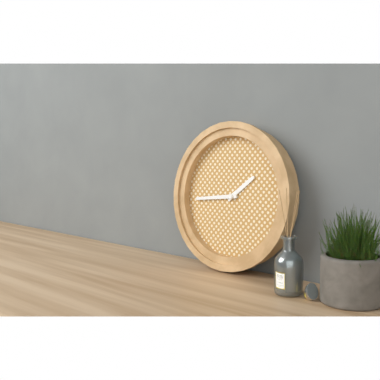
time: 1:44
